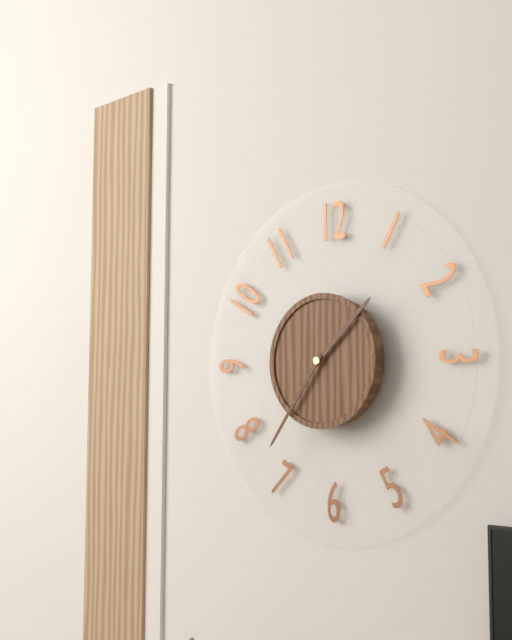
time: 1:36
